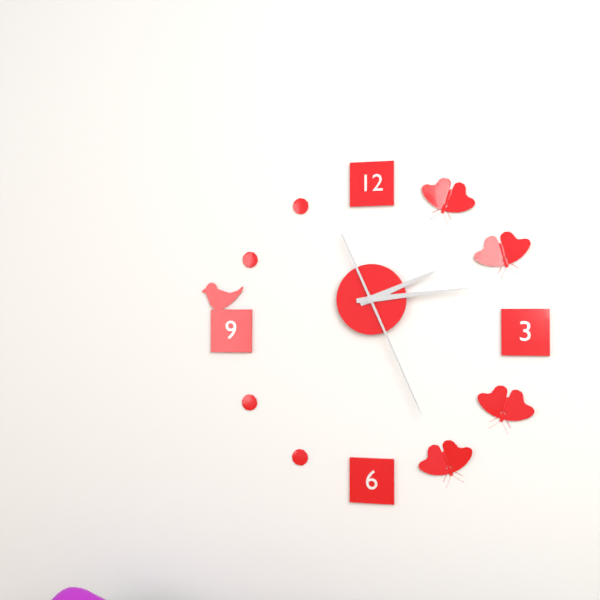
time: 2:14:26
